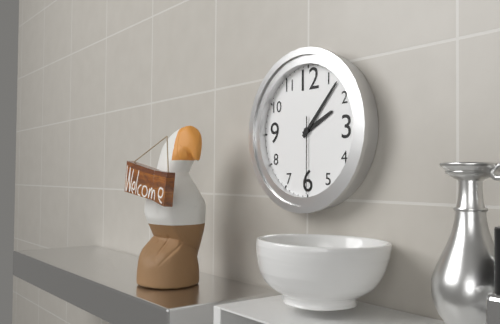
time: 2:07:30
